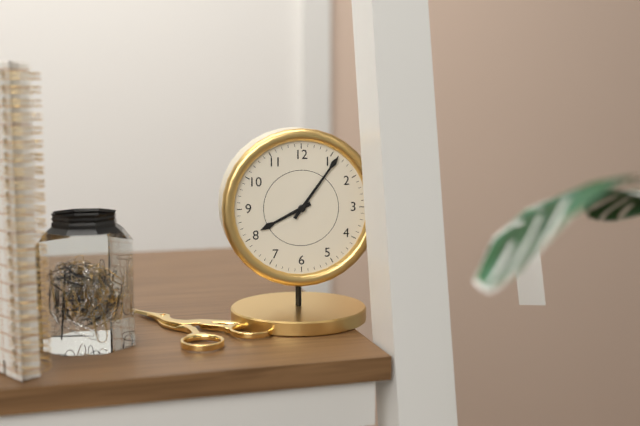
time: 8:06
